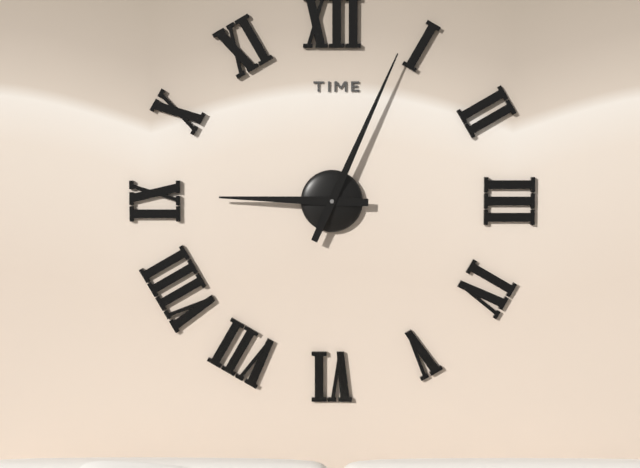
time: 9:04
